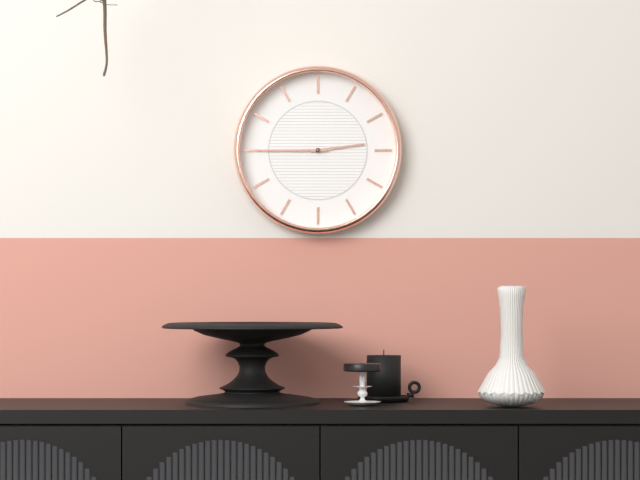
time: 2:45
